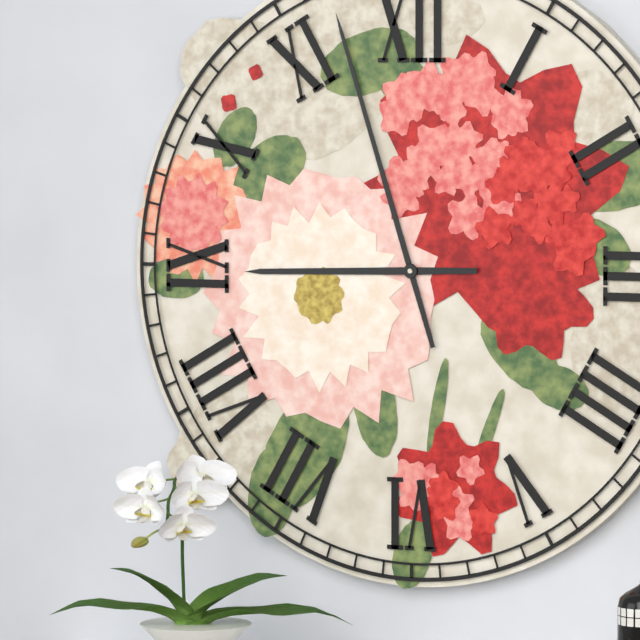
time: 8:57
